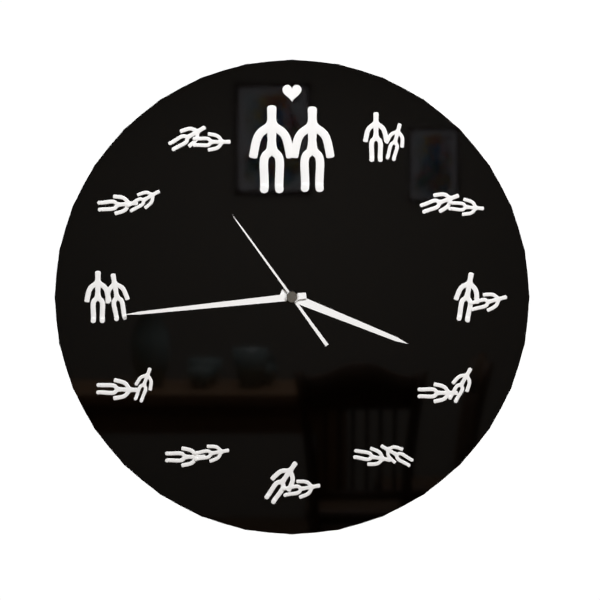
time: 3:44:54
